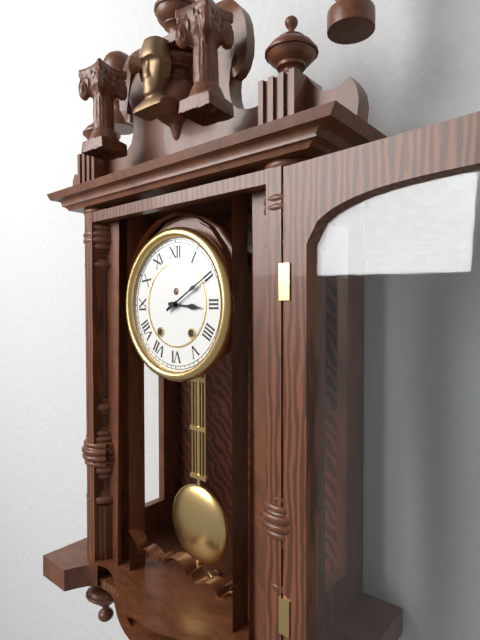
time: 3:10
